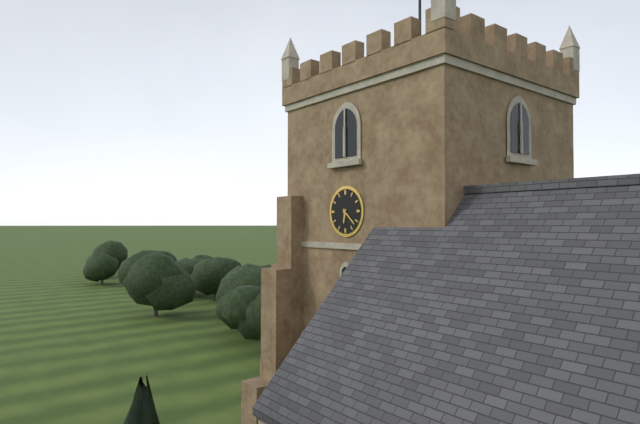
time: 6:22
